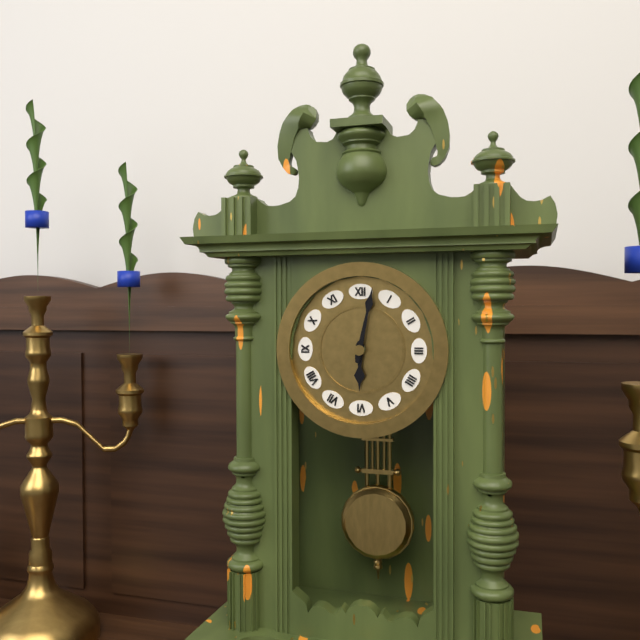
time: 6:02
